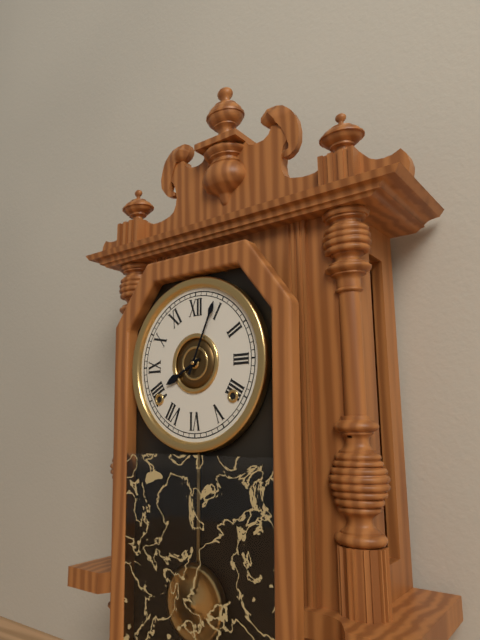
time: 8:04
